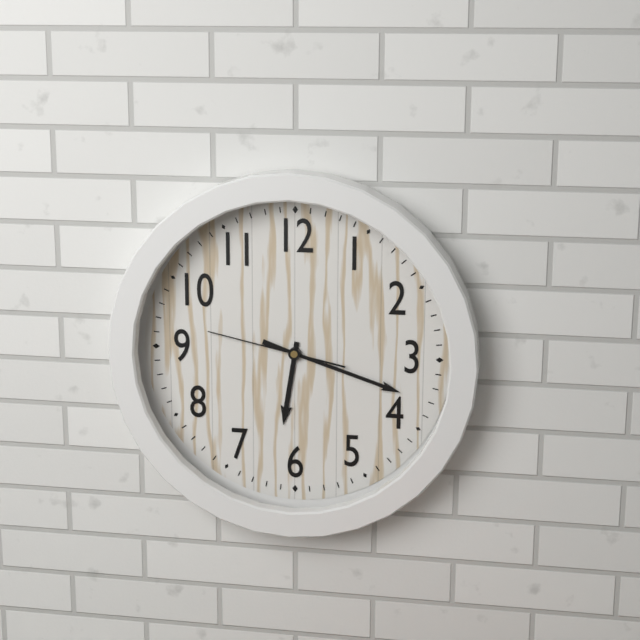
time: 6:18:47
